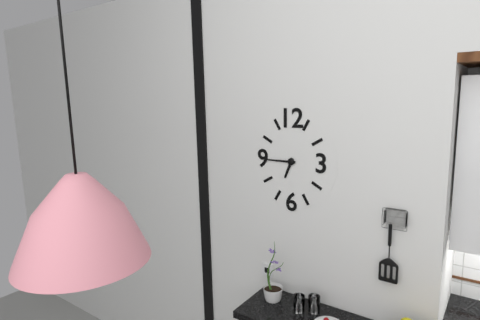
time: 6:45
